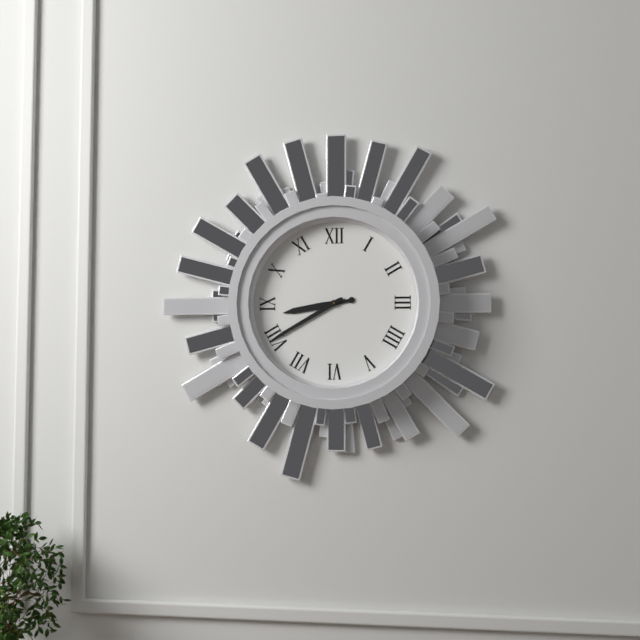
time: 8:40
